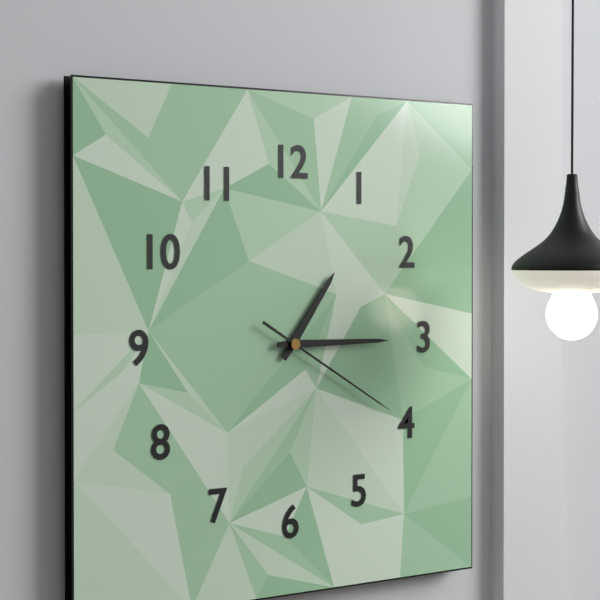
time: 1:15:20
